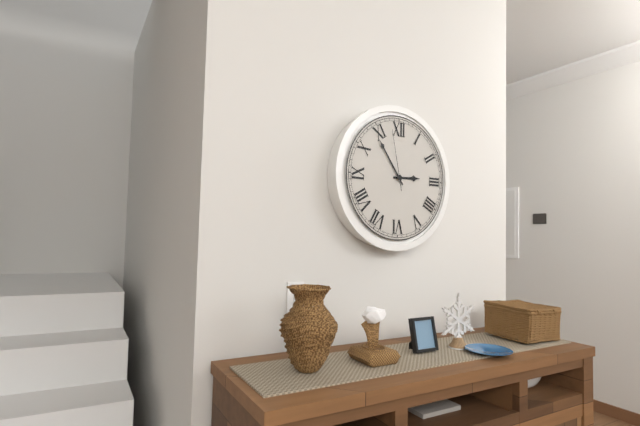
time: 2:54:58
